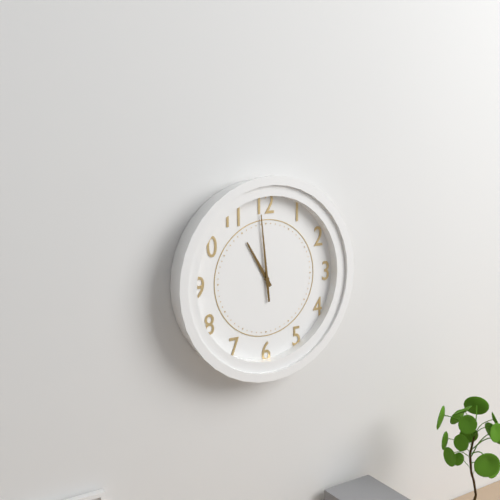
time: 10:59
